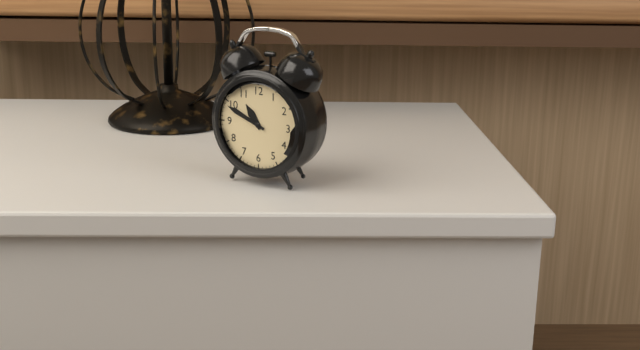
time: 10:49
